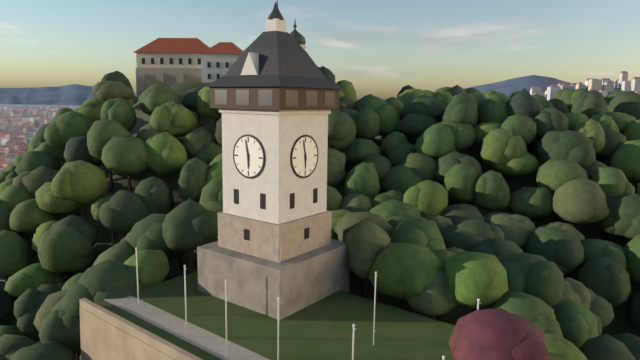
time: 5:58
